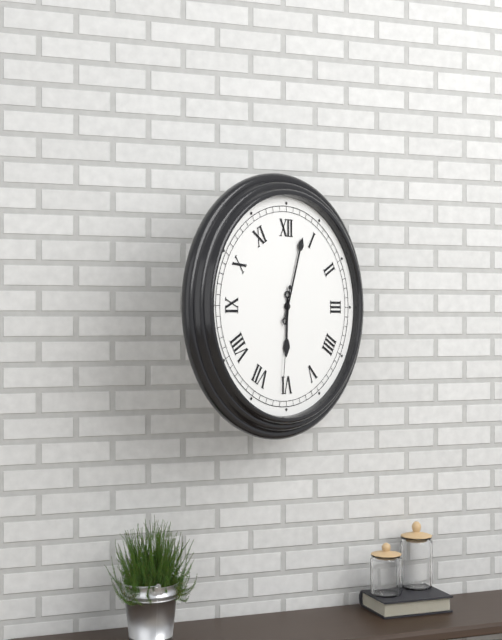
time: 6:03:31
